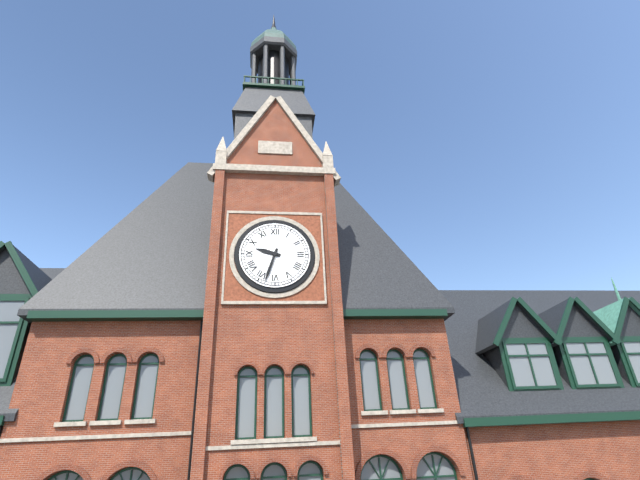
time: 9:33
